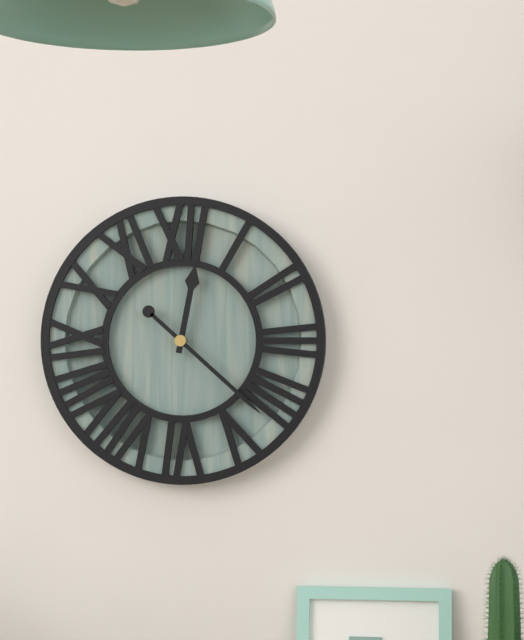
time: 12:22
